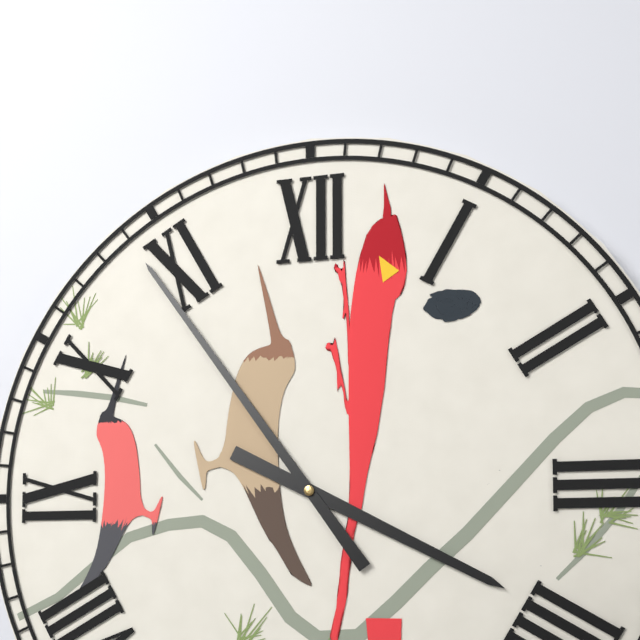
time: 3:54
